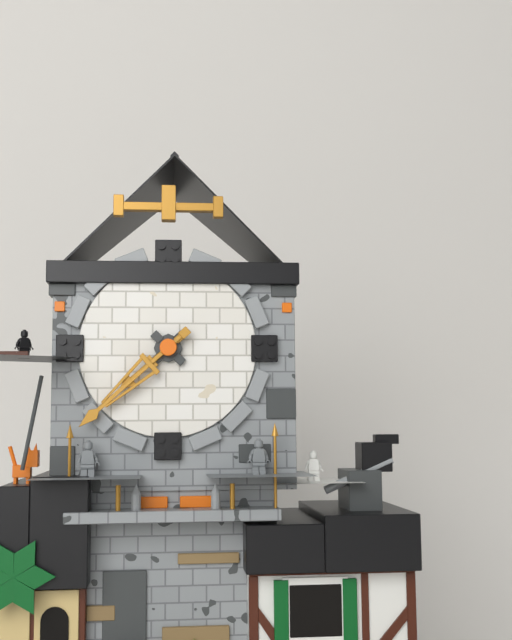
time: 7:38
